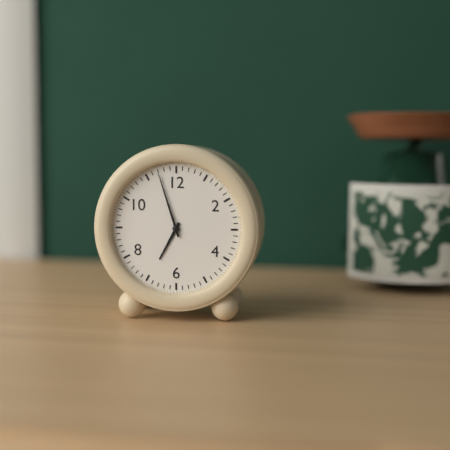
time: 6:57
